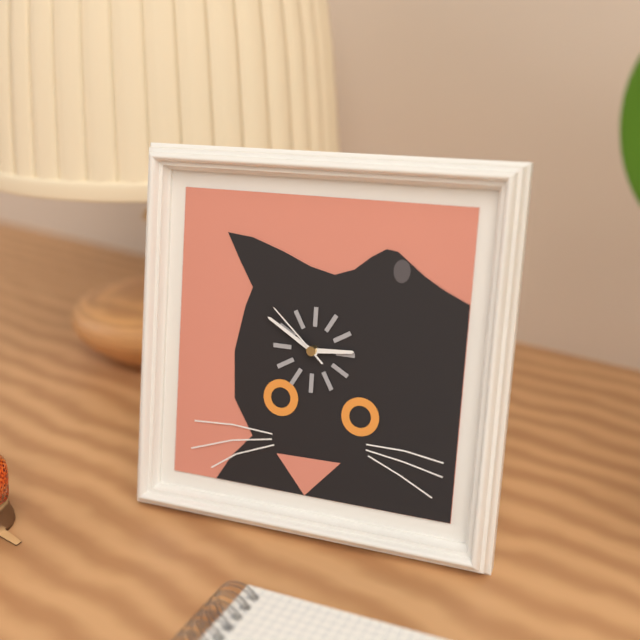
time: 2:50:52
